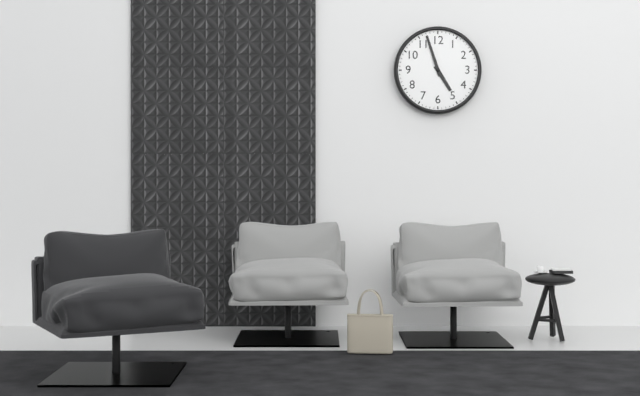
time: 4:57
